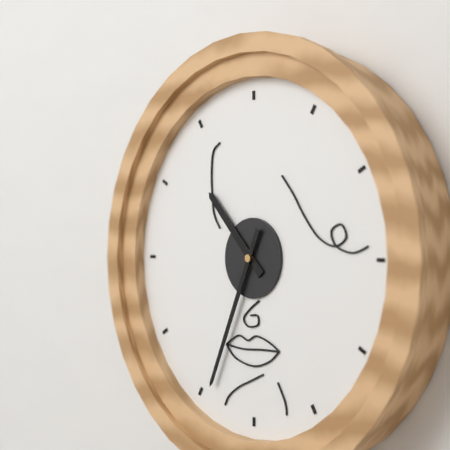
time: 10:34
